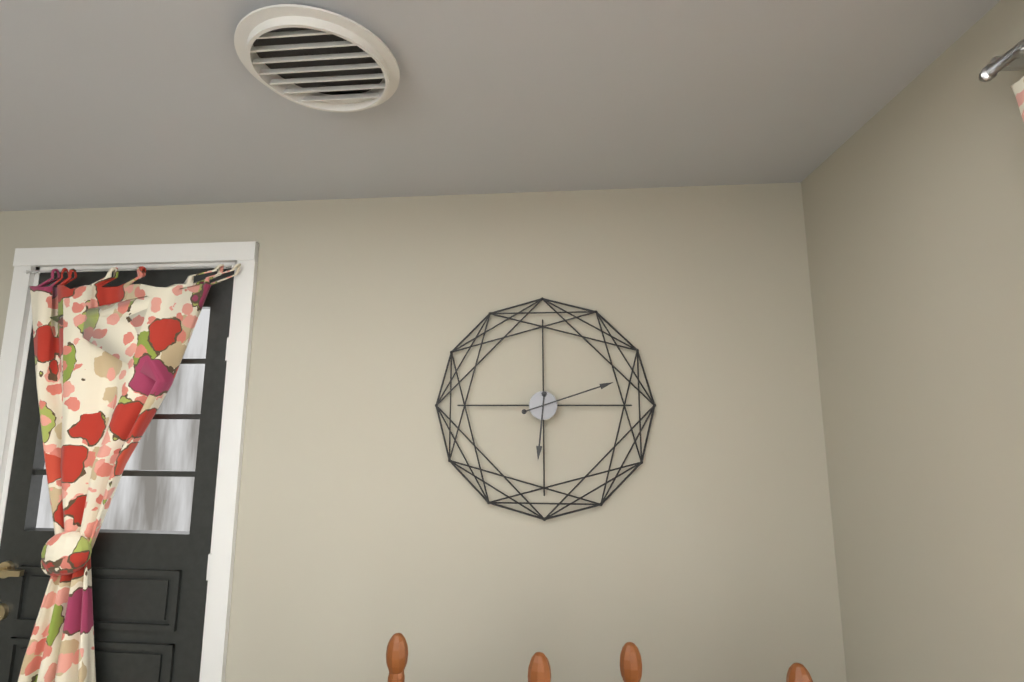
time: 6:12
